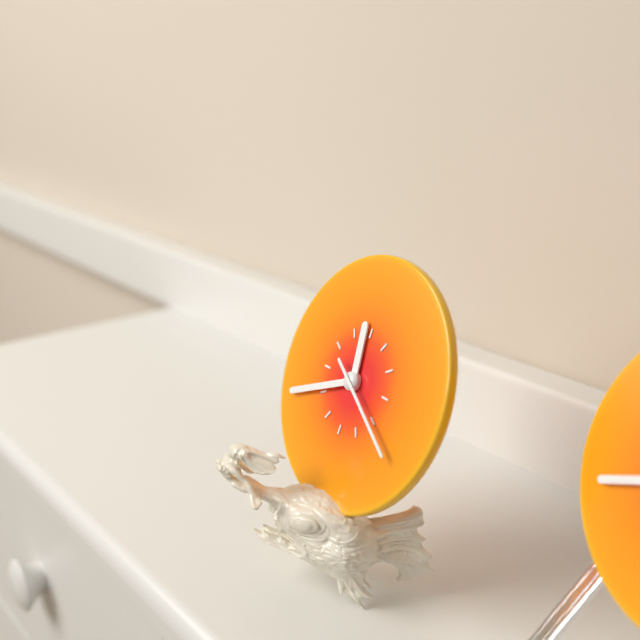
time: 11:41:20
